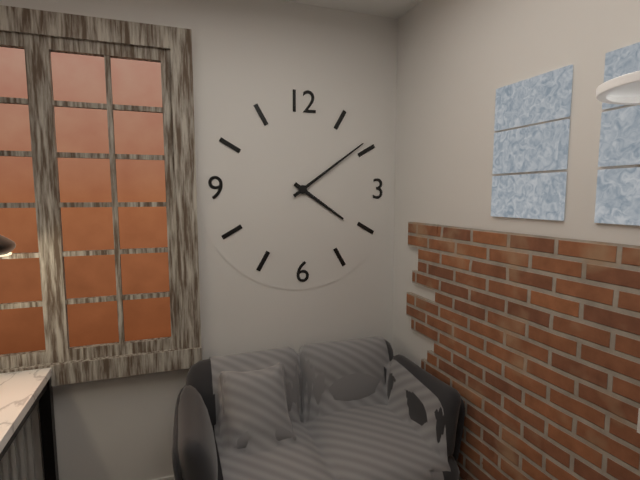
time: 4:09
